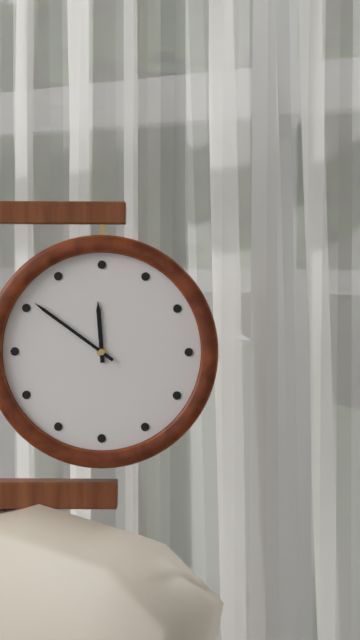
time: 11:51
